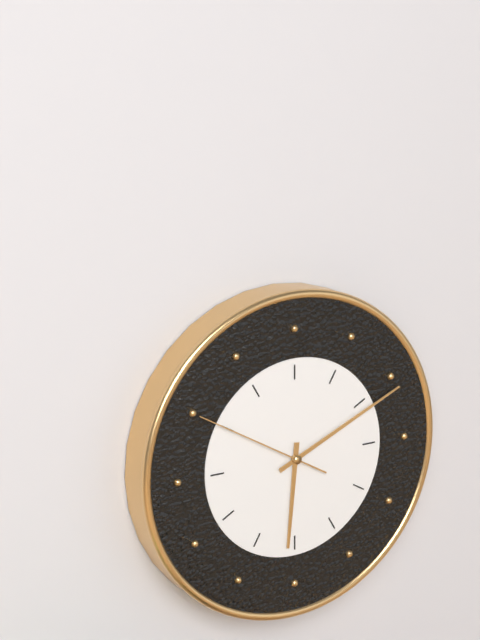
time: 6:11:50
